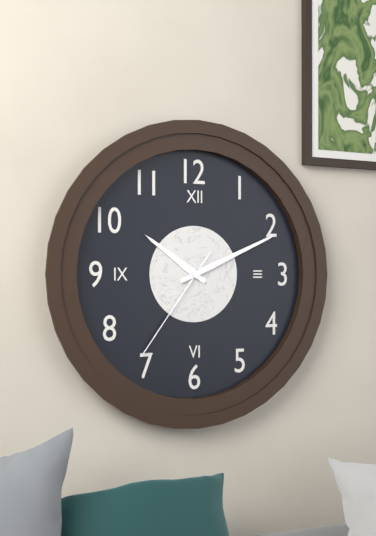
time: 10:11:36
